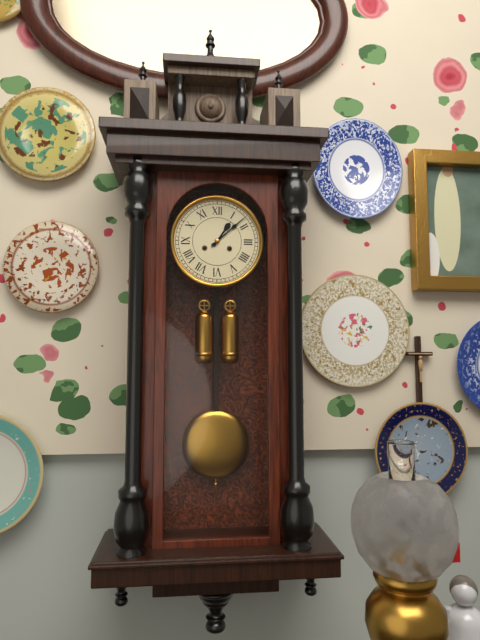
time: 1:08
